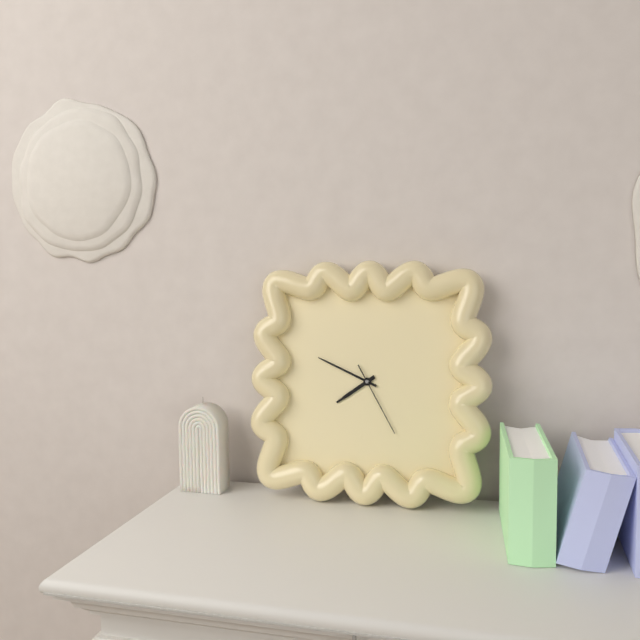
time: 7:49:25
